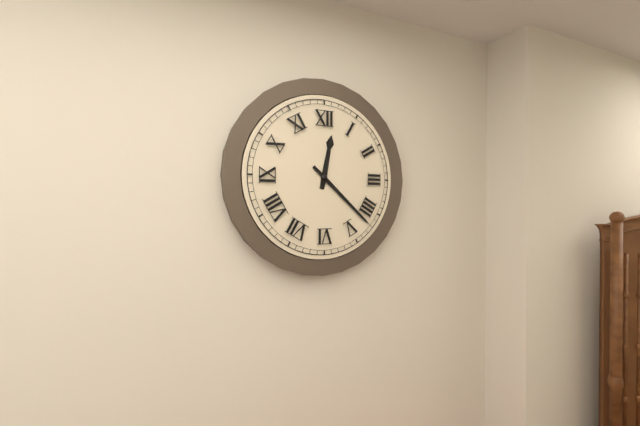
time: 12:22
